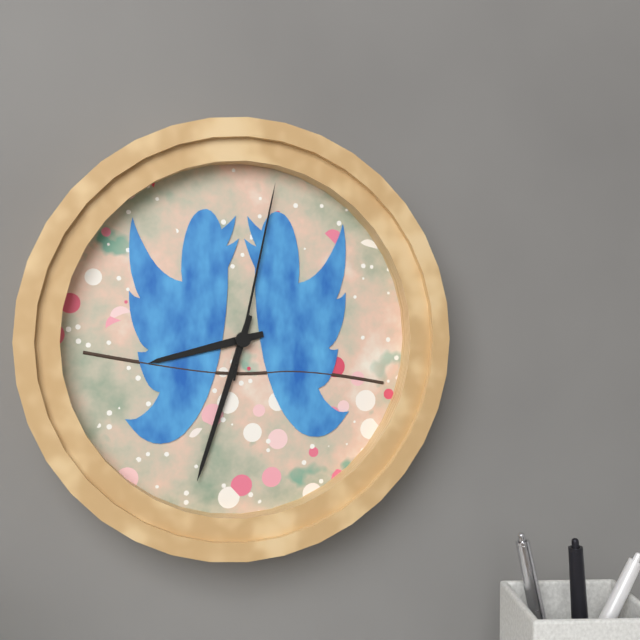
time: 8:33:02
